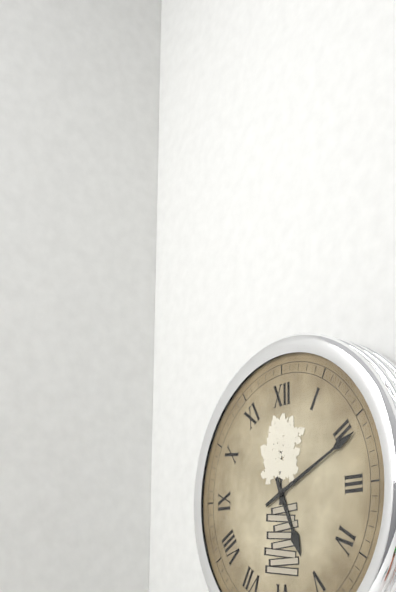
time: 5:11
